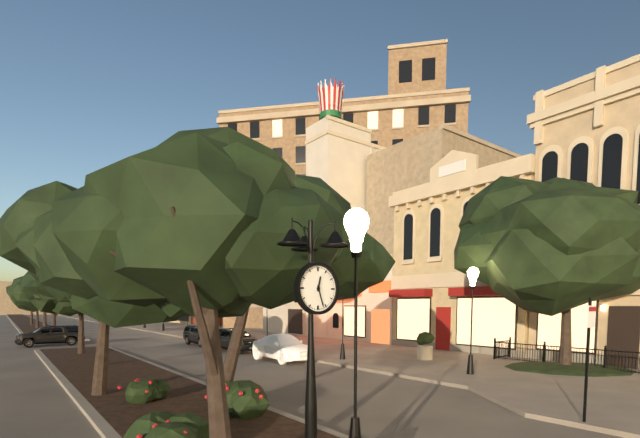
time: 12:27
